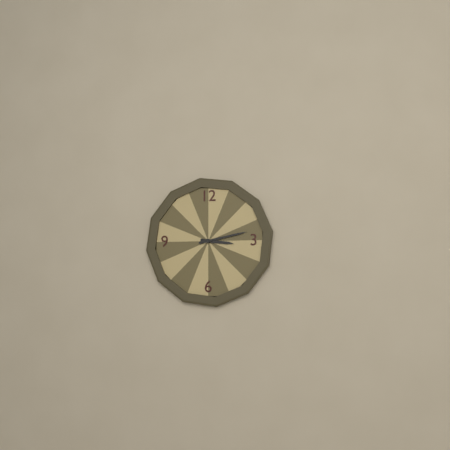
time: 3:13
